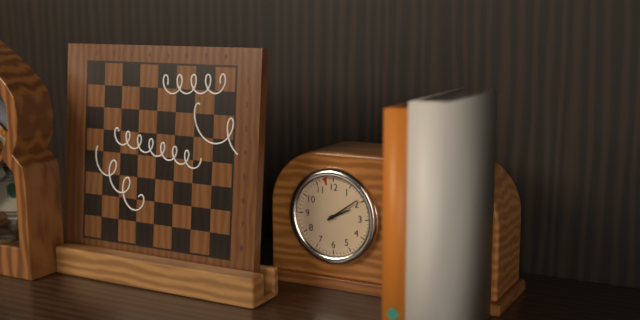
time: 2:09
